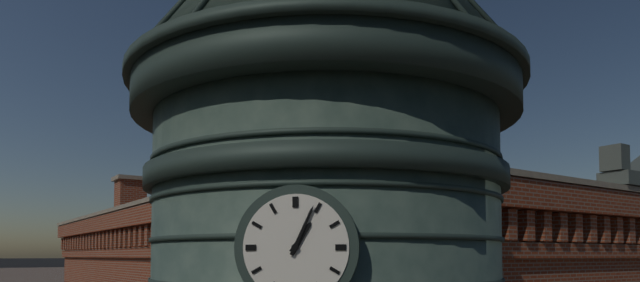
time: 1:04
